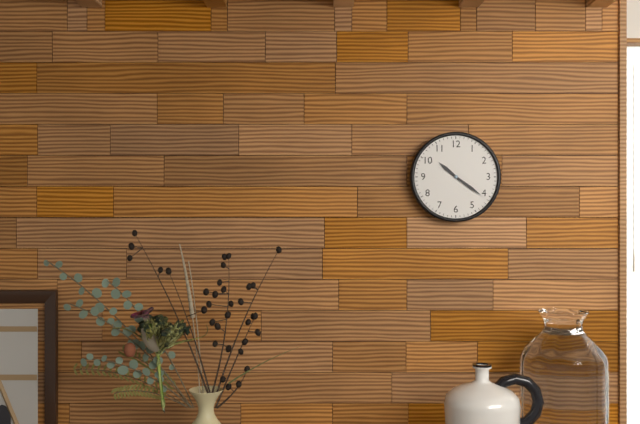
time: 10:21
